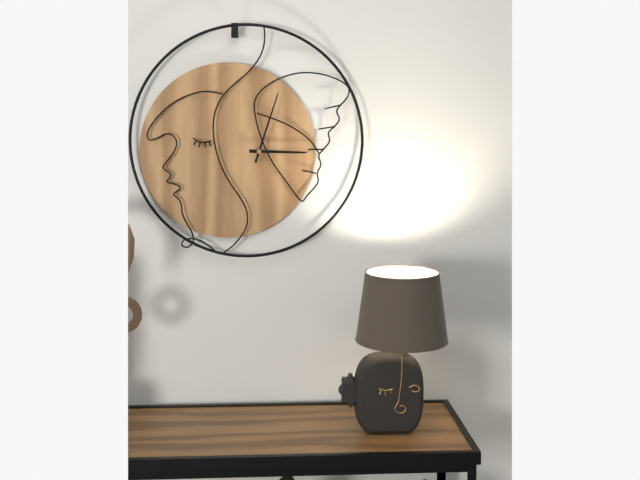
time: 3:03
